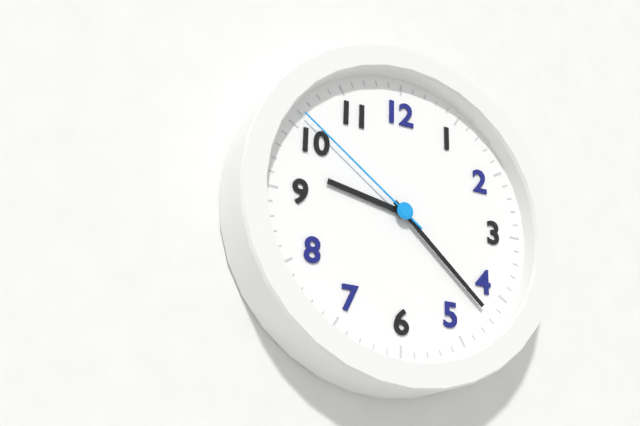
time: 9:22:51
